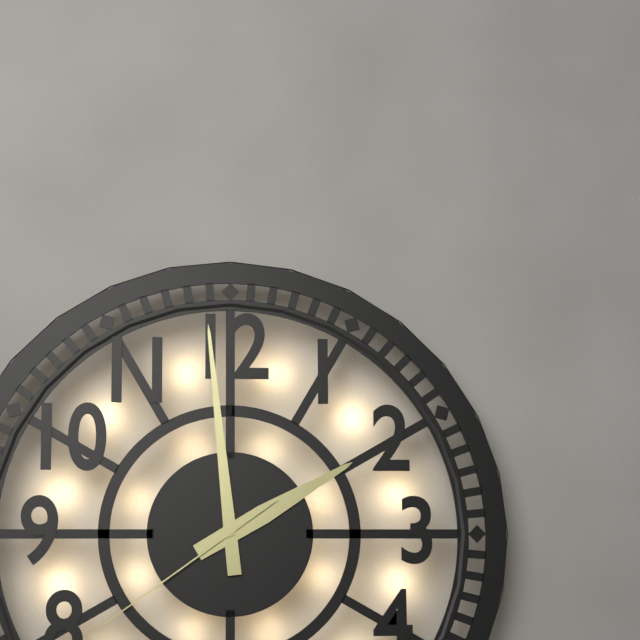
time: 1:59:39
